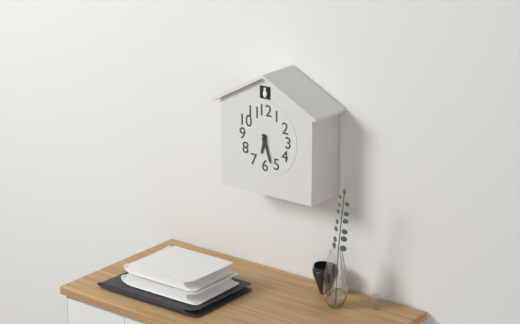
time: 6:27
